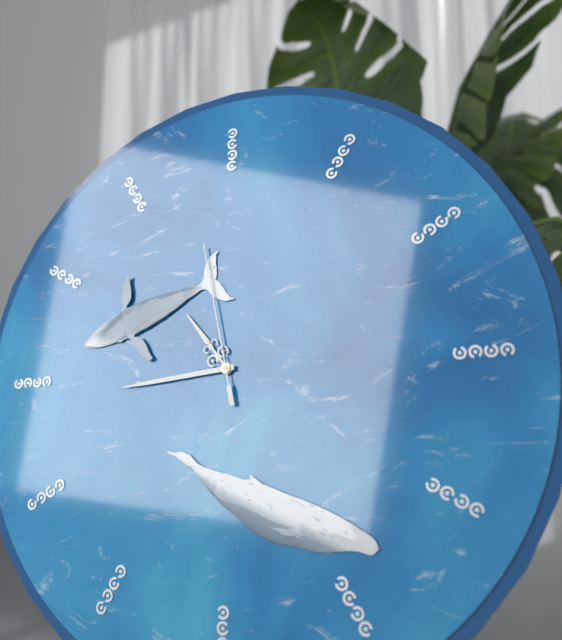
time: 10:44:58
